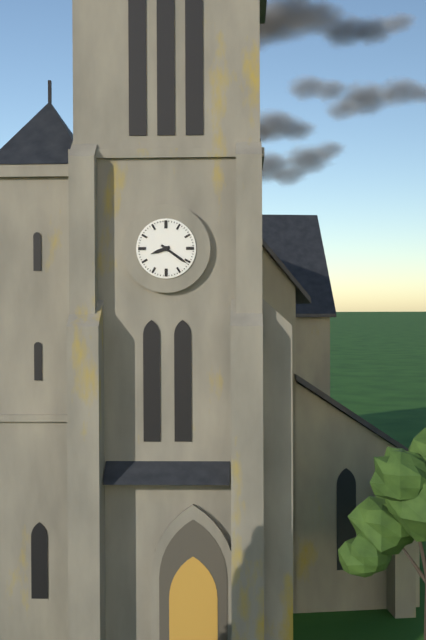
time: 8:21
